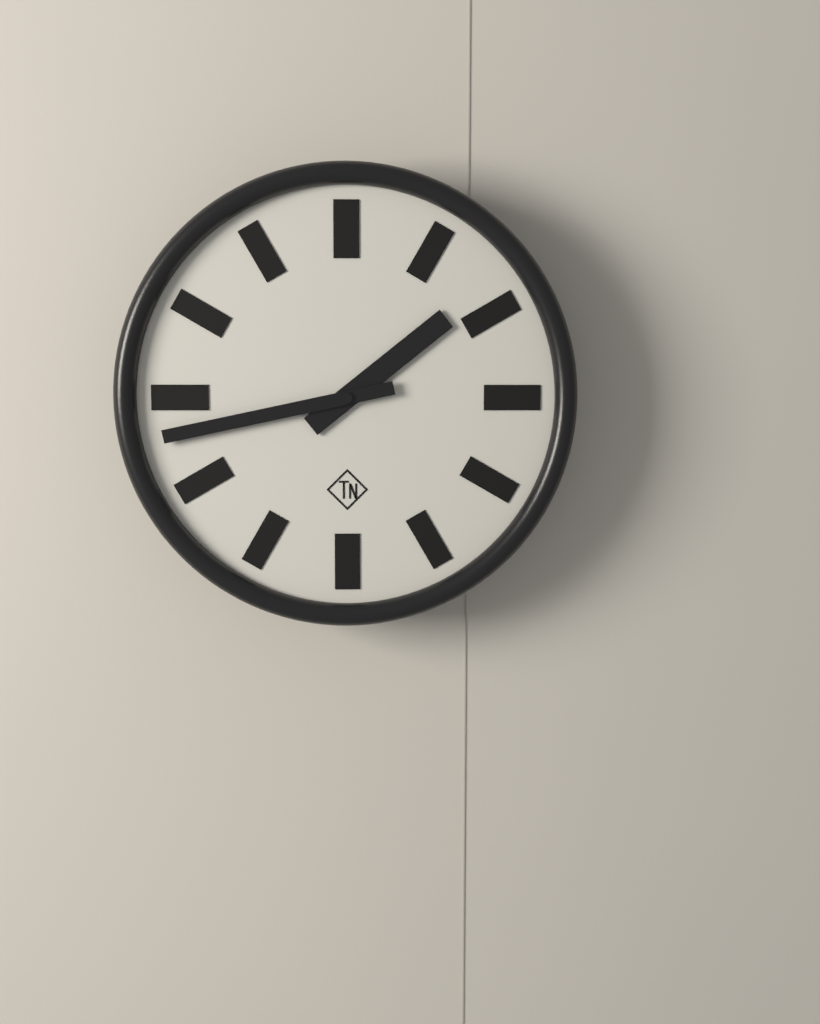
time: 1:43
